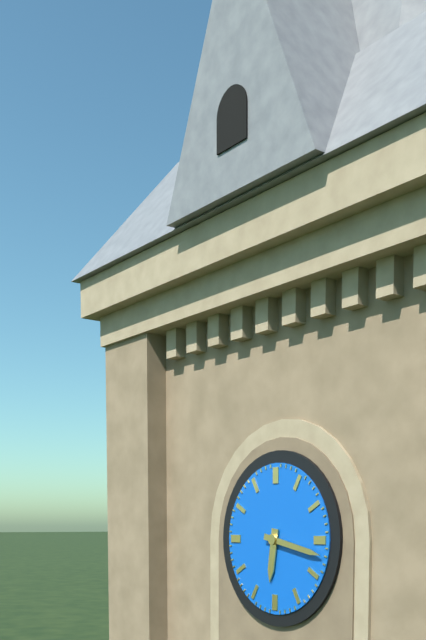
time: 6:17
